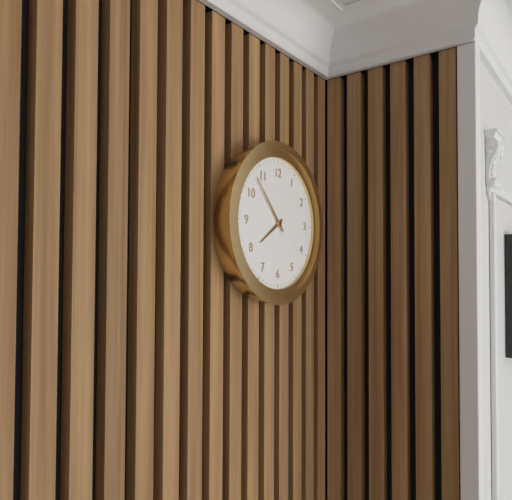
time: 7:53
